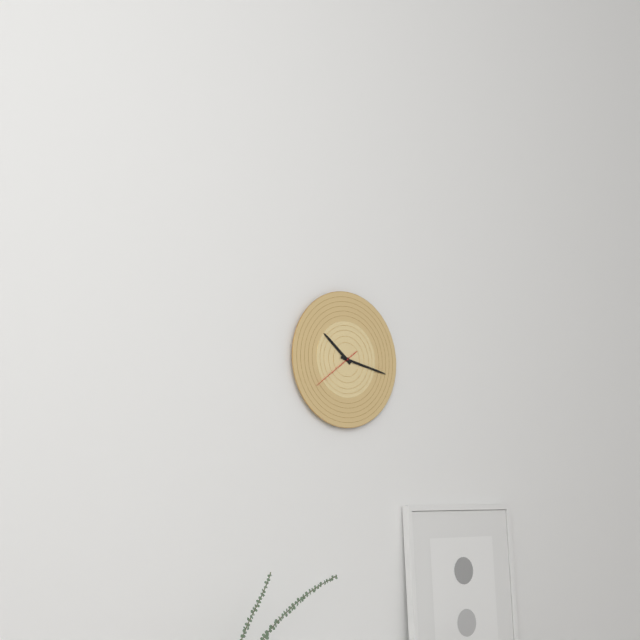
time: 10:17
